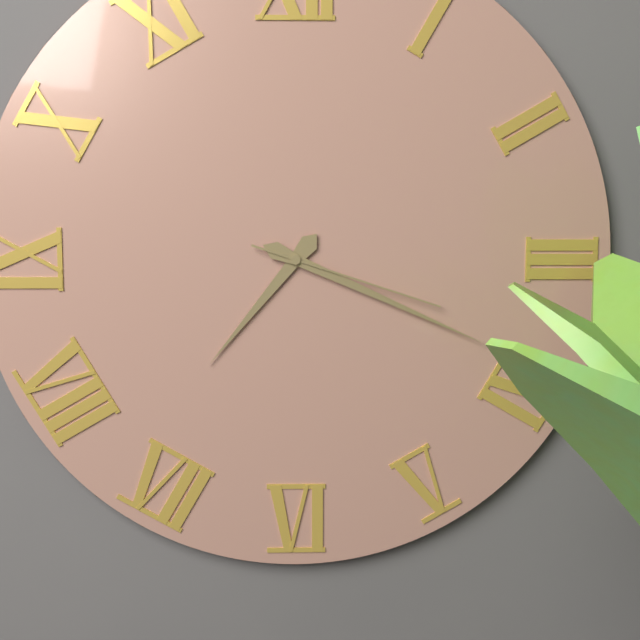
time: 7:19:18
